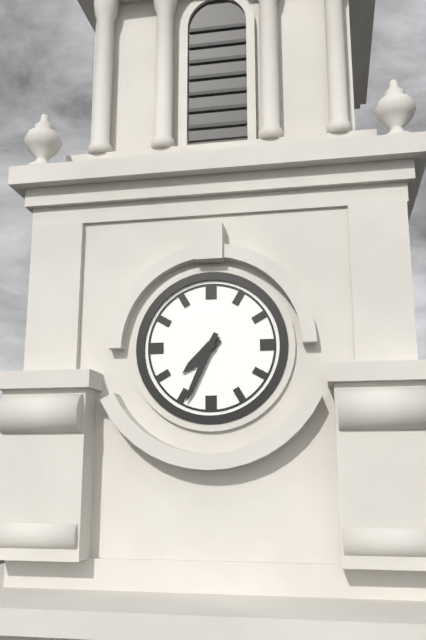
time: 7:34
